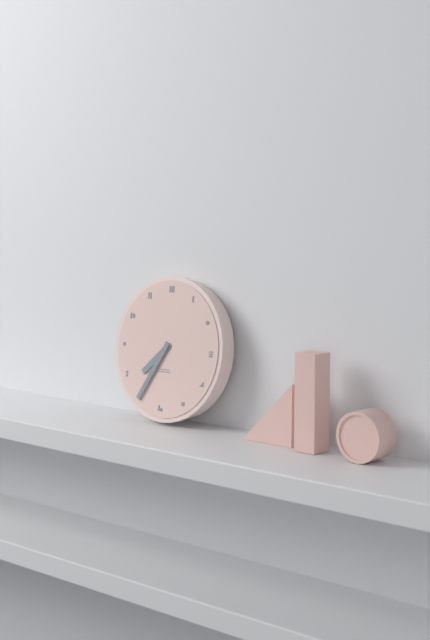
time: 7:35
